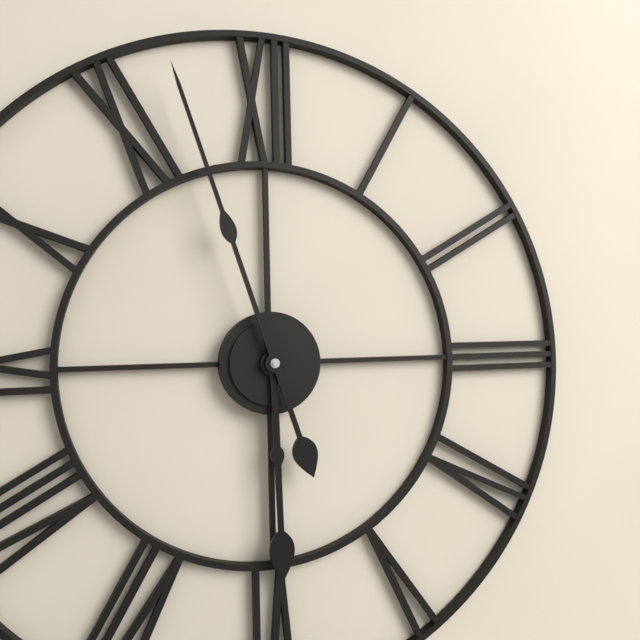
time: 5:57
